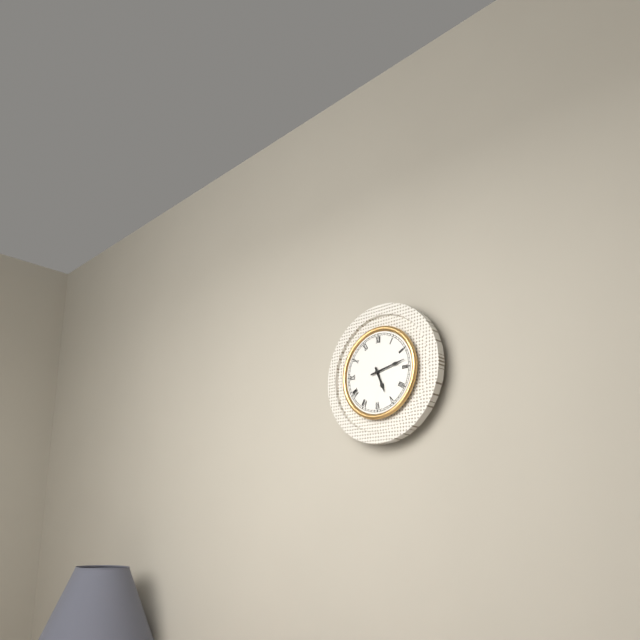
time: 5:13
